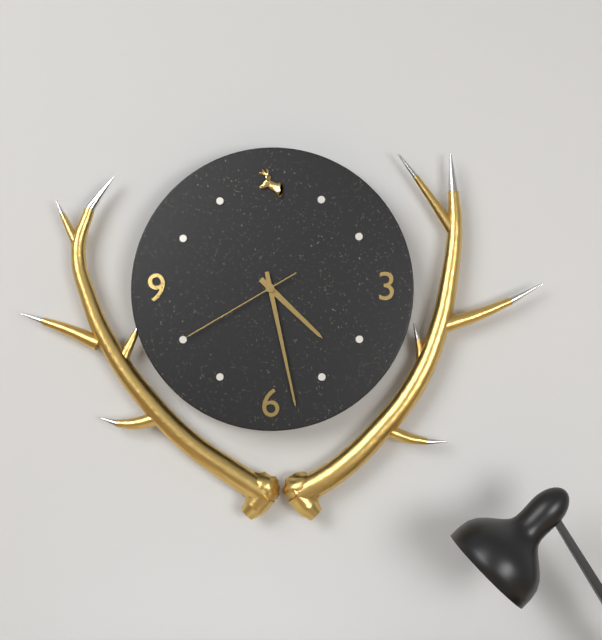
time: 4:28:40
